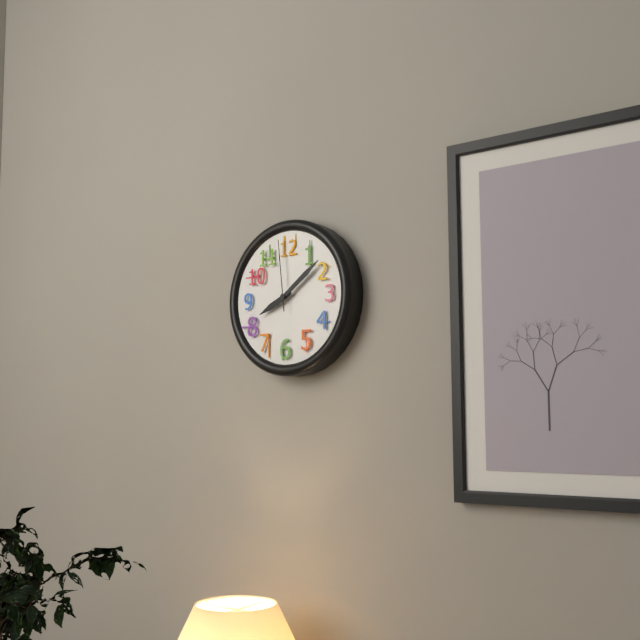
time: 8:09:59
